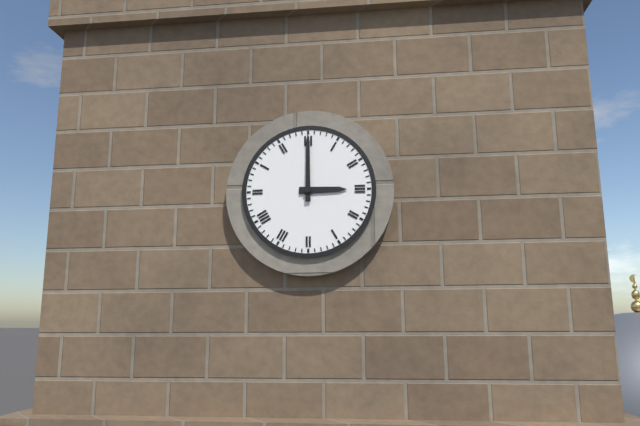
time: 3:00
